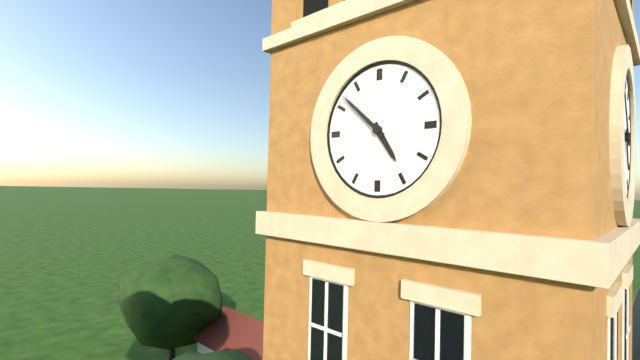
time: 4:52
